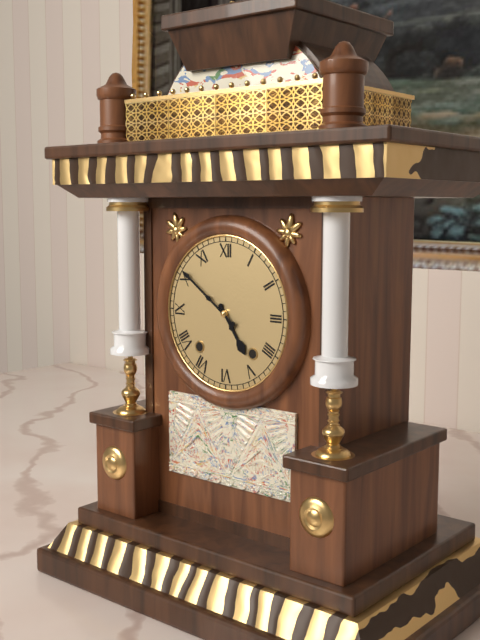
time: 4:51
